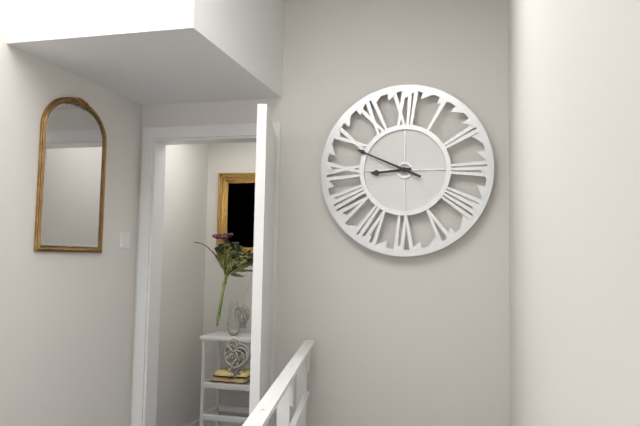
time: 8:49
